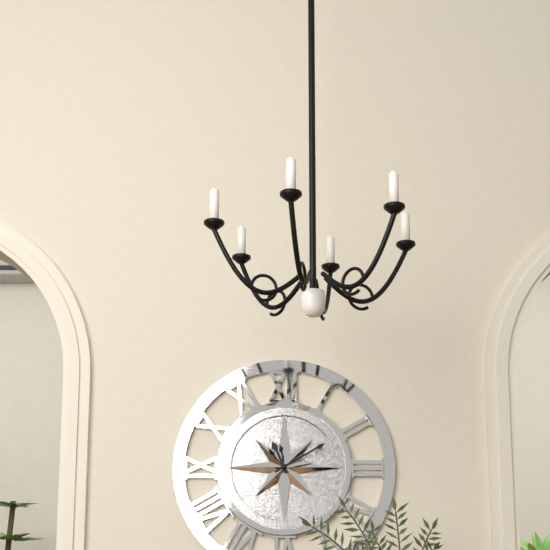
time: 11:10
